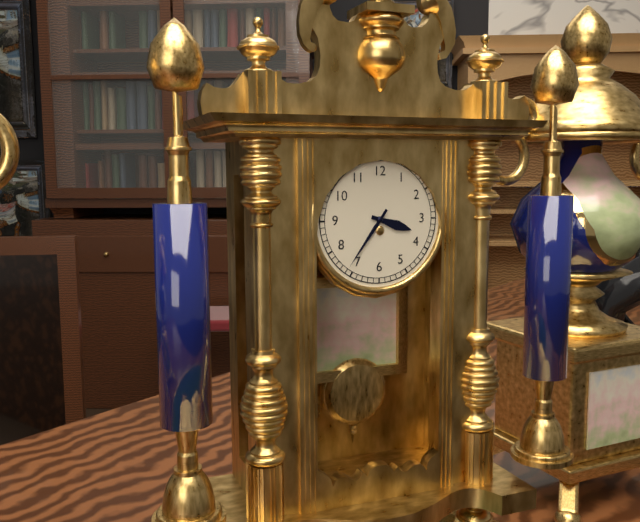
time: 3:36
